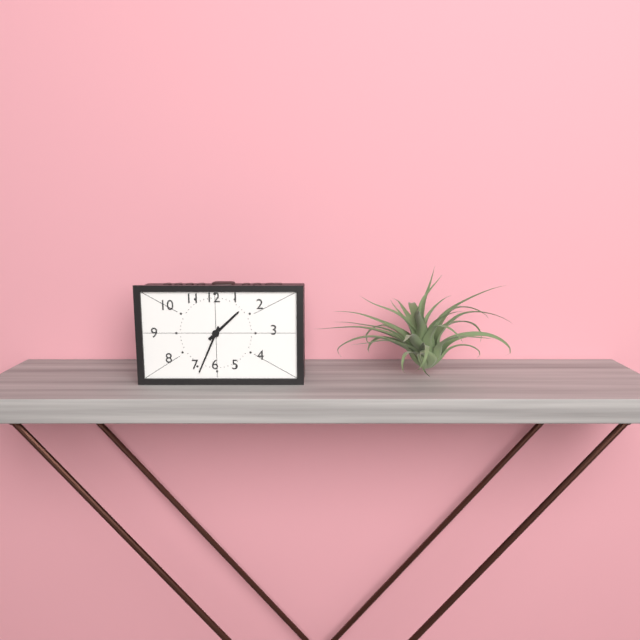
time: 1:34
